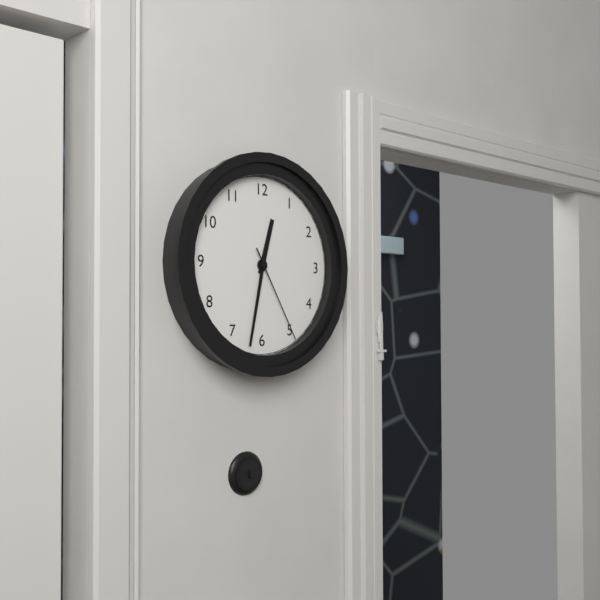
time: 12:32:25
